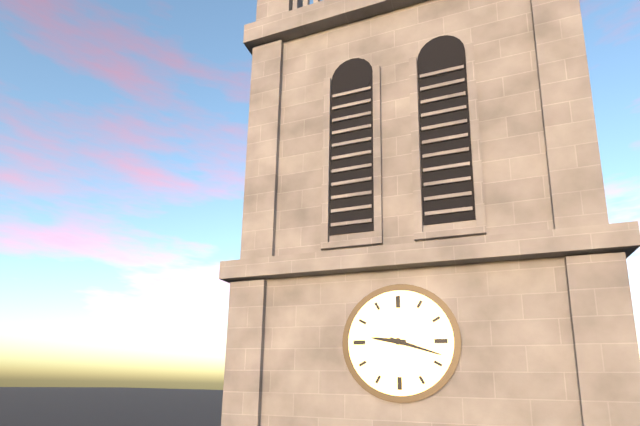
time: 9:18
